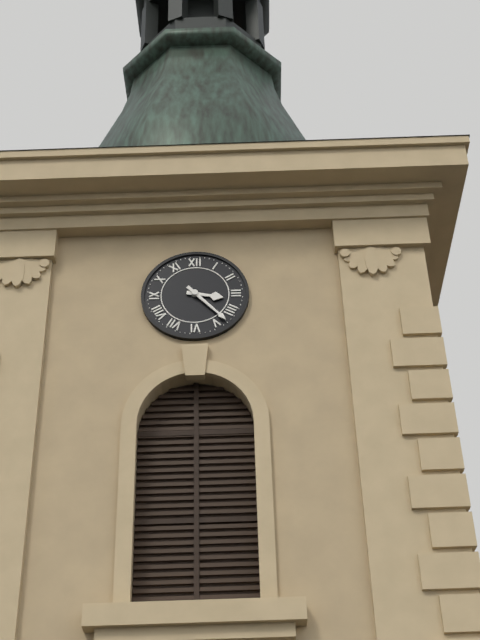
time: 3:23
